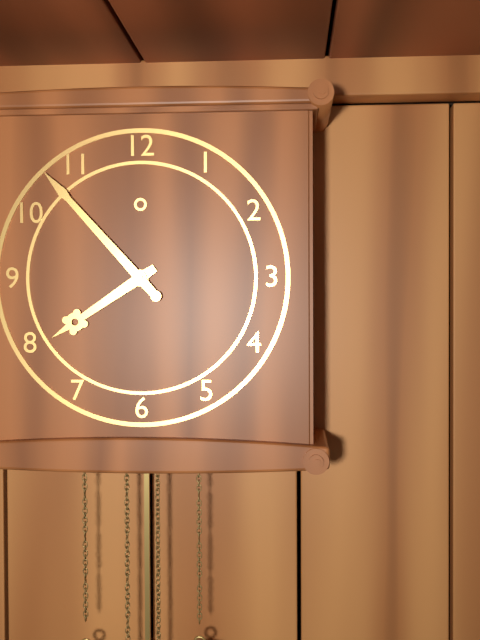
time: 7:53
